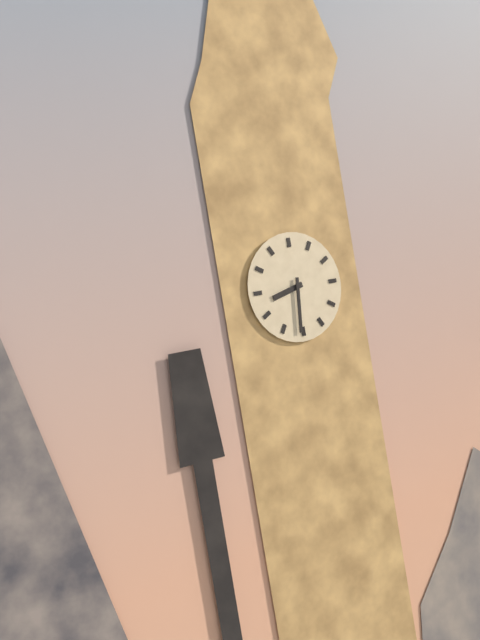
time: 8:31
